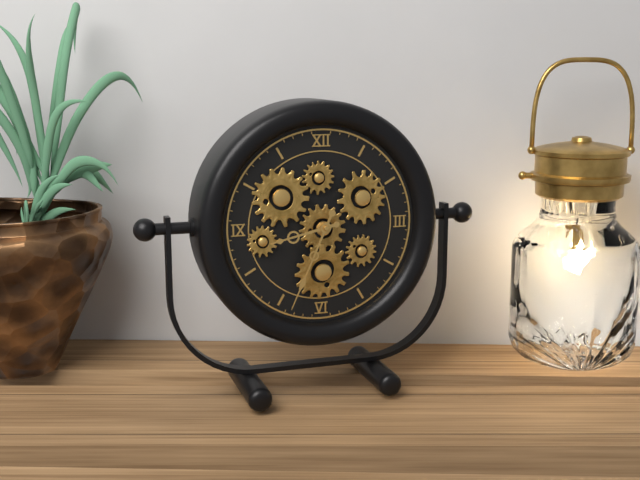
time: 8:34
